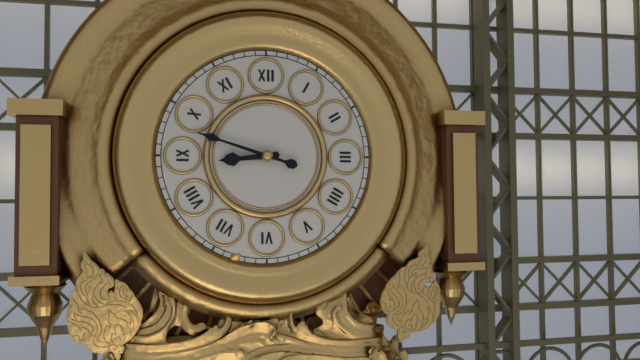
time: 8:48
